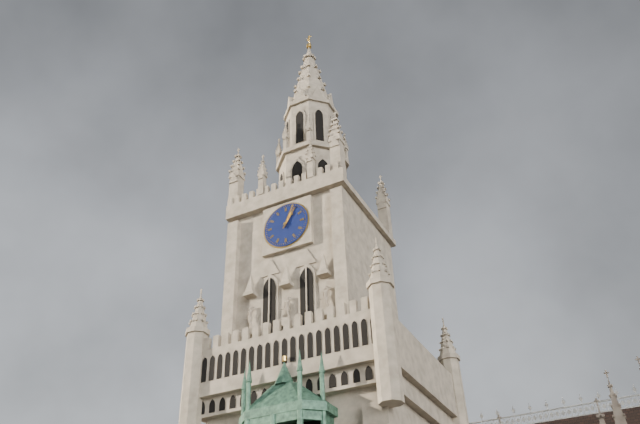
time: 1:04
